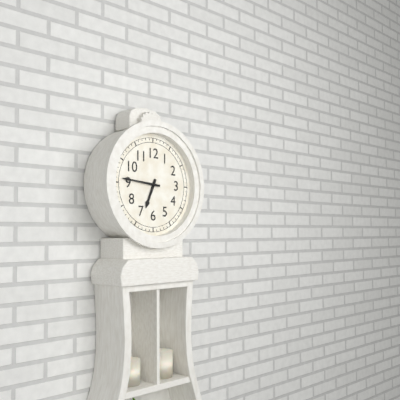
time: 6:46
